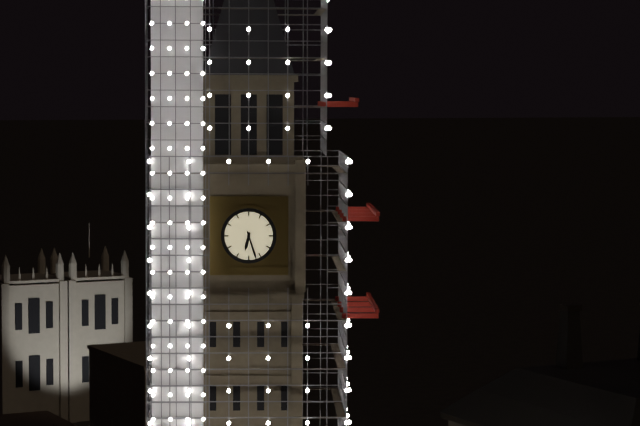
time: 6:27
